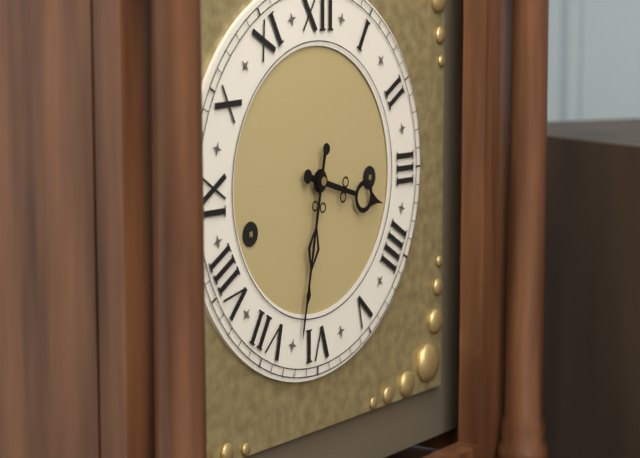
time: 3:32
